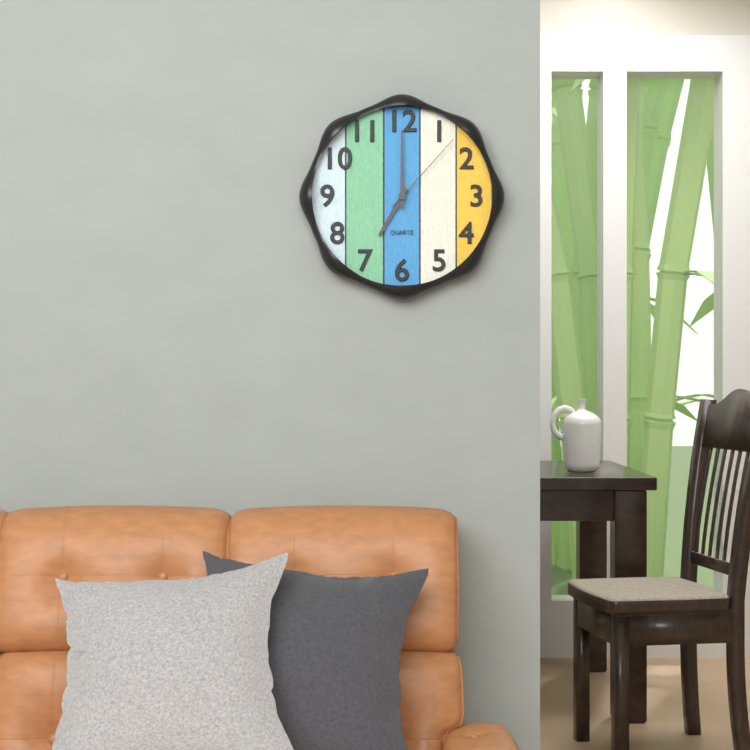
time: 7:00:07
